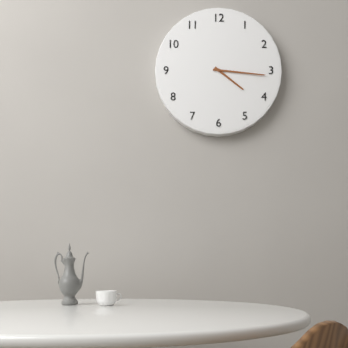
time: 4:16
